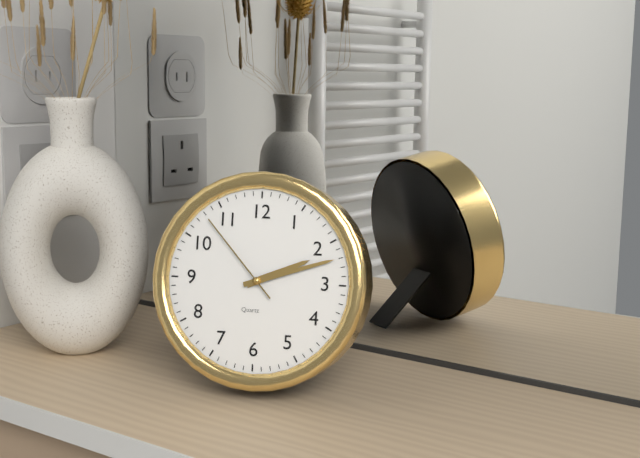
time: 2:12:53
